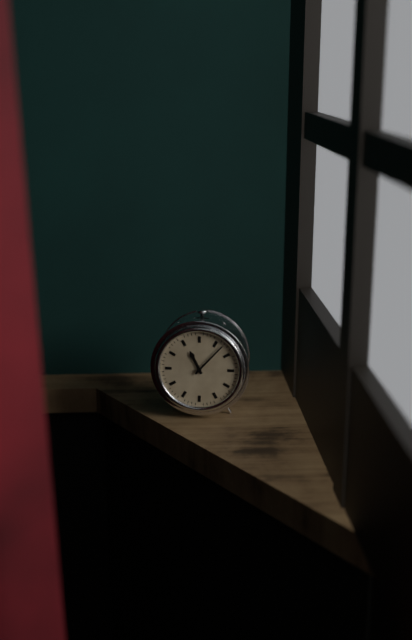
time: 11:07
